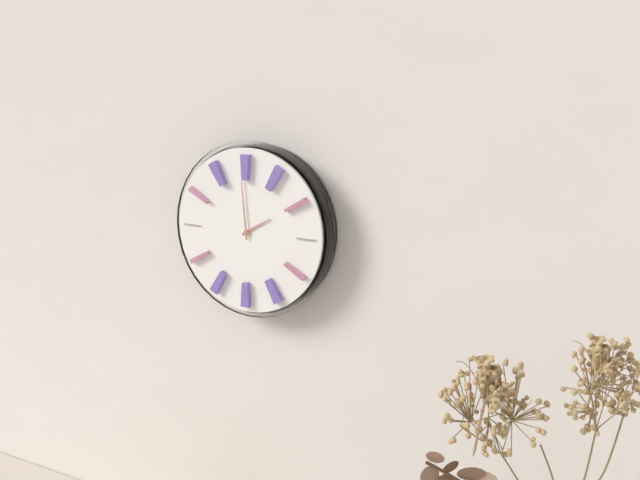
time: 1:59
